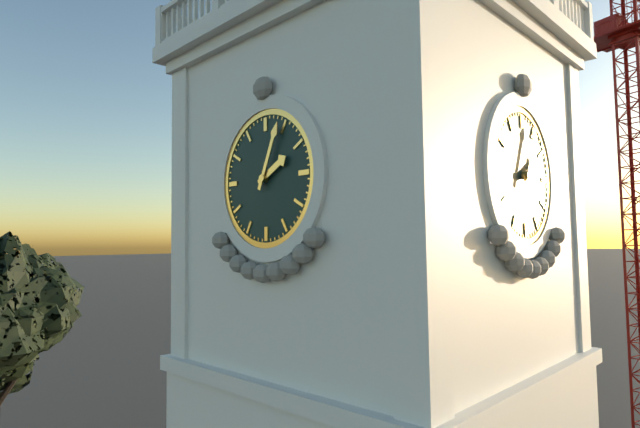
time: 2:04
